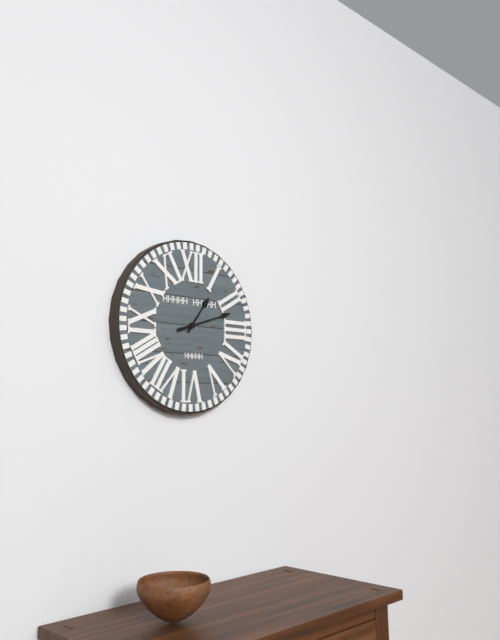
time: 1:12
